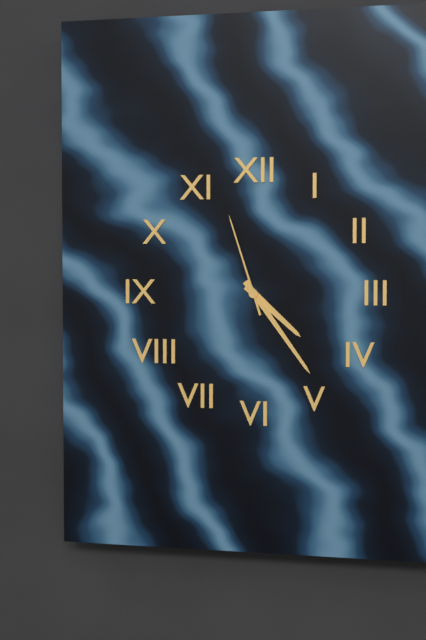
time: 4:24:57
